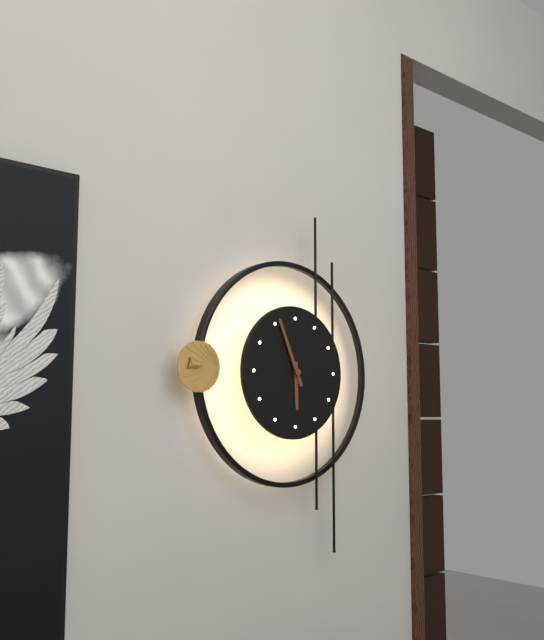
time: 5:56
